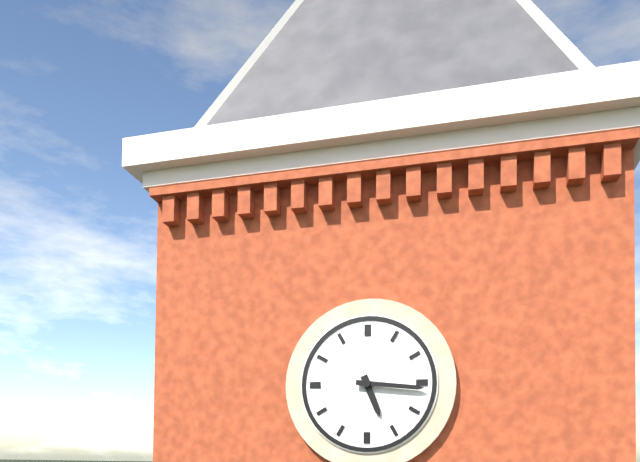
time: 5:16
